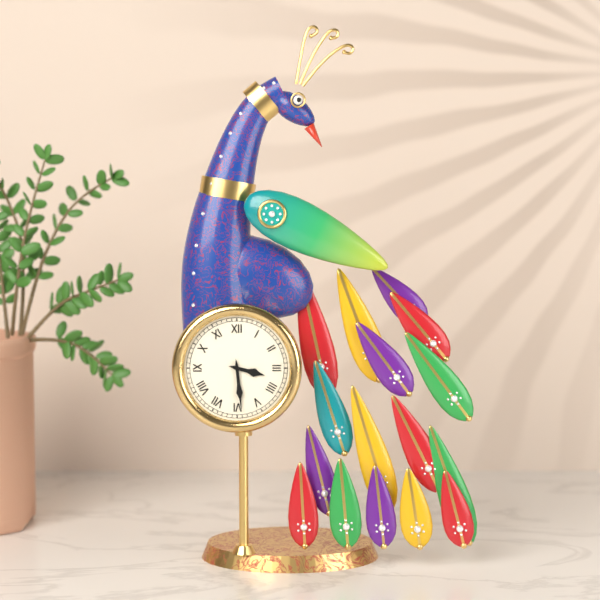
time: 3:29
